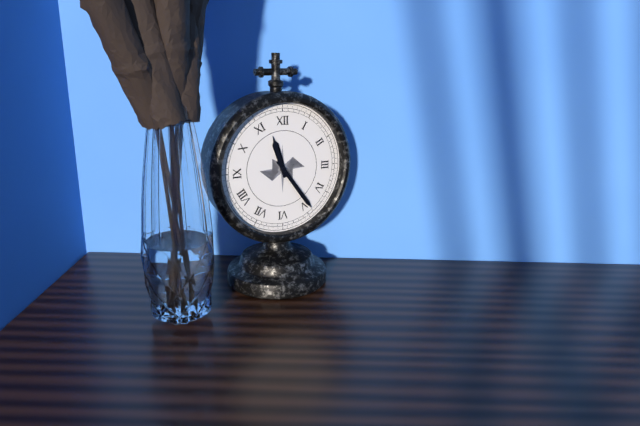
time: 11:24
